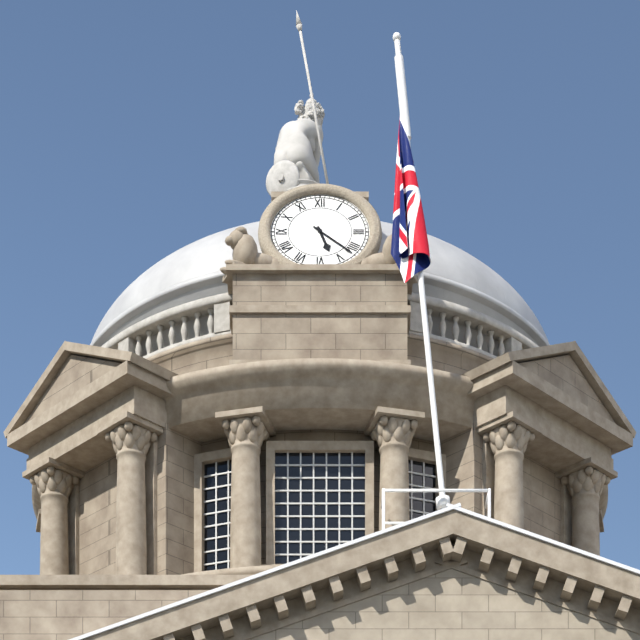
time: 5:22
